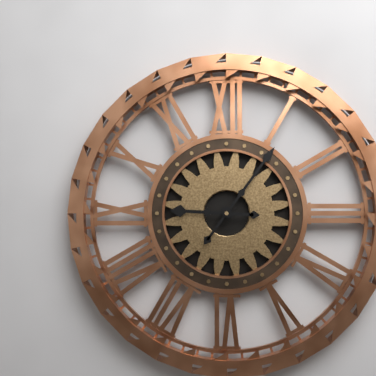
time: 9:06
